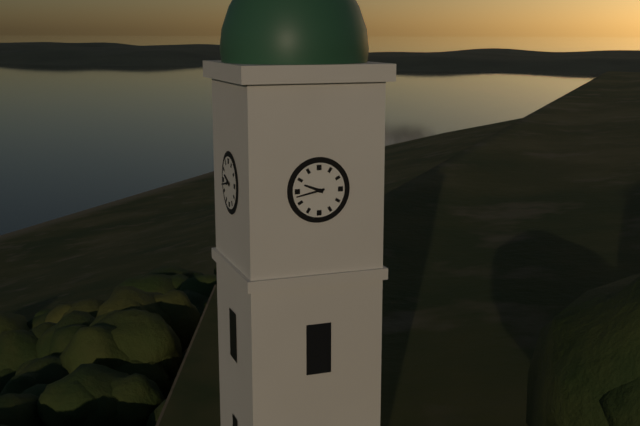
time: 9:43
